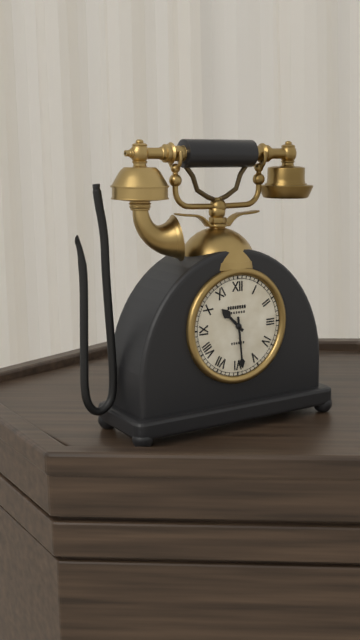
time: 10:29
